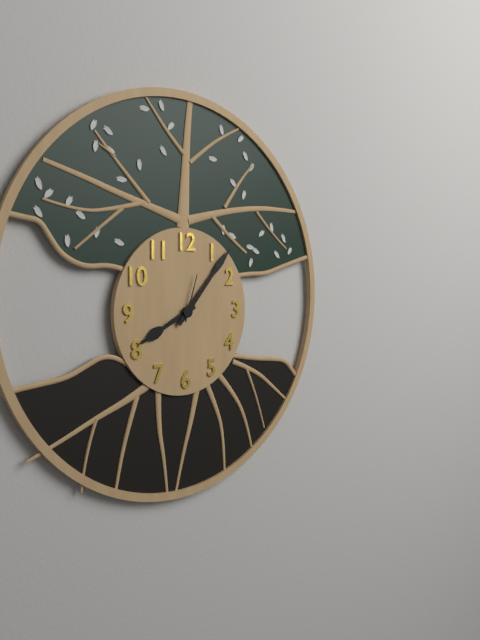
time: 8:07:03
